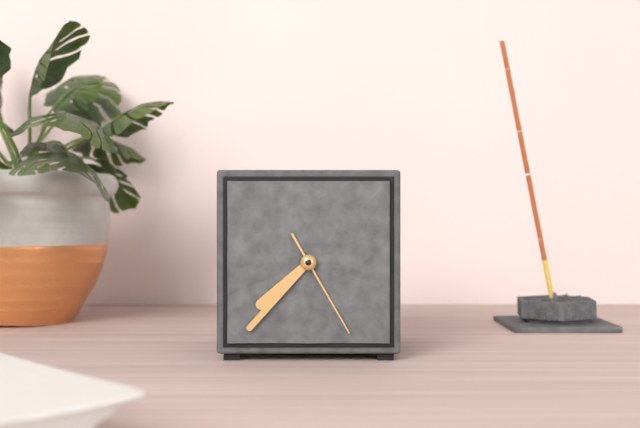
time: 7:37:25
